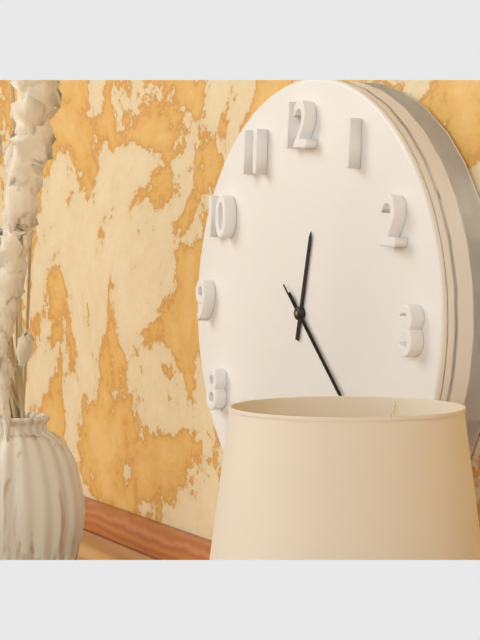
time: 12:22:22
